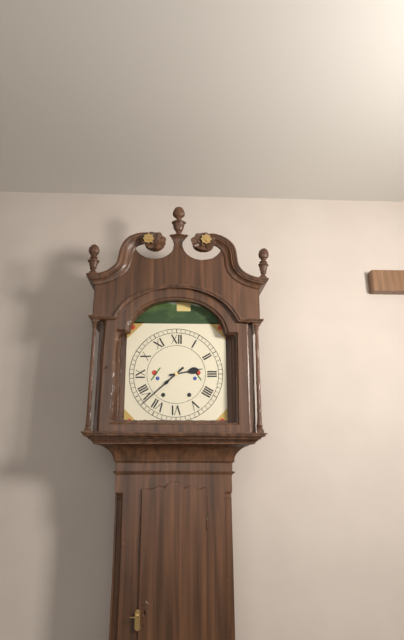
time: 2:38
